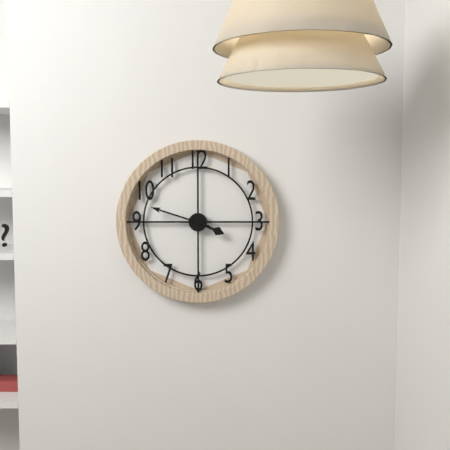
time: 3:48
